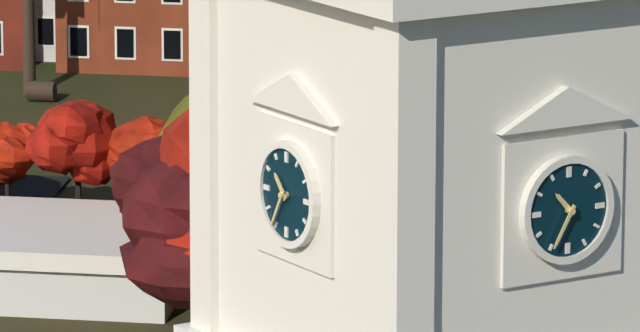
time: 10:35
